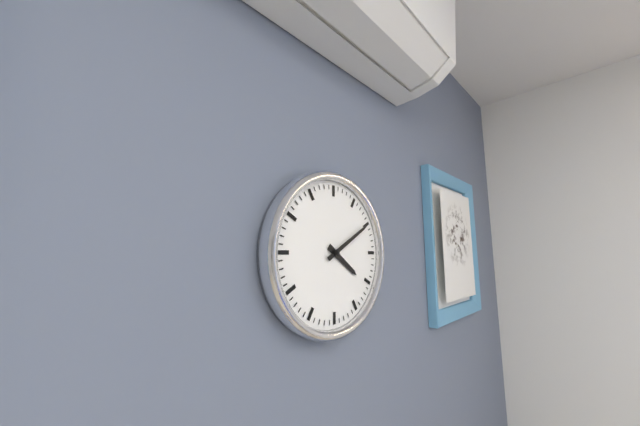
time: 4:10
